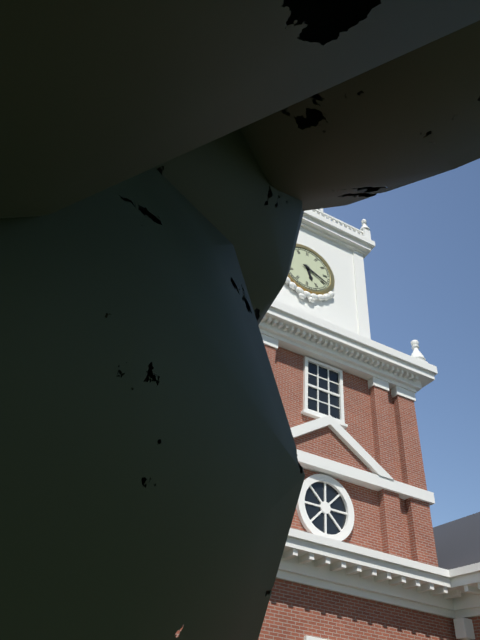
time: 5:19
